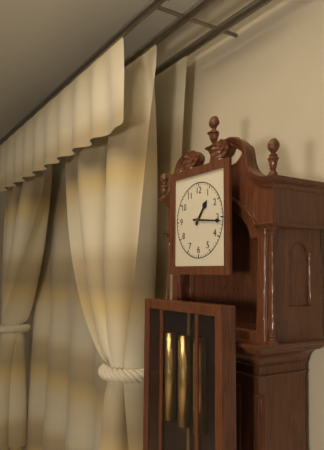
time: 1:16
